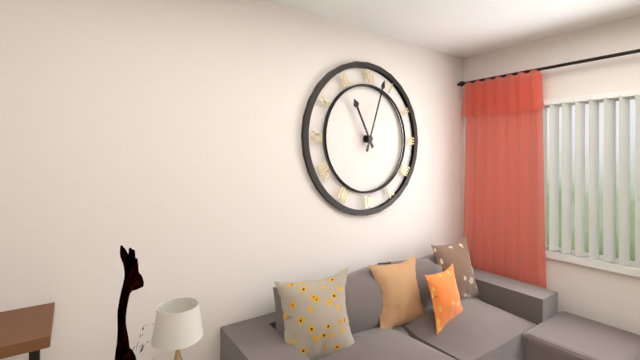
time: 11:03
